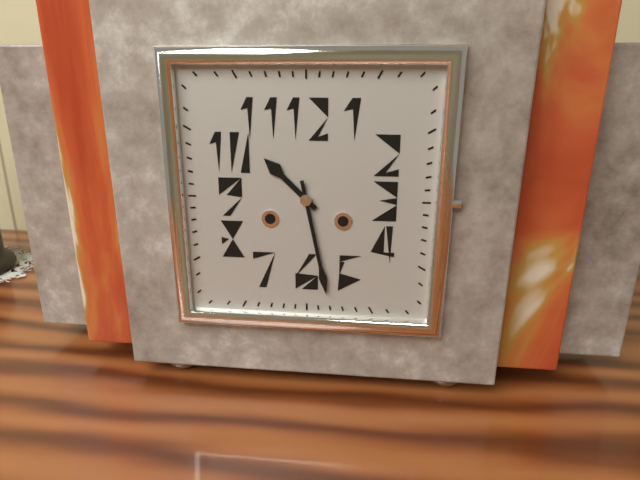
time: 10:28
